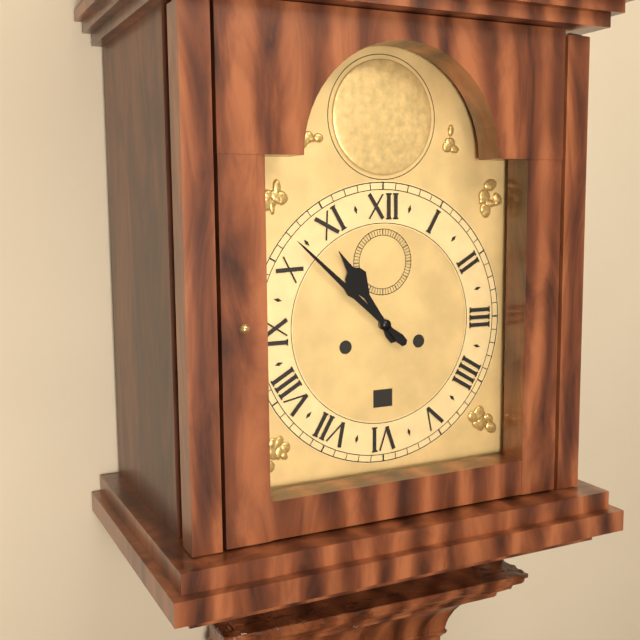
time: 10:52
